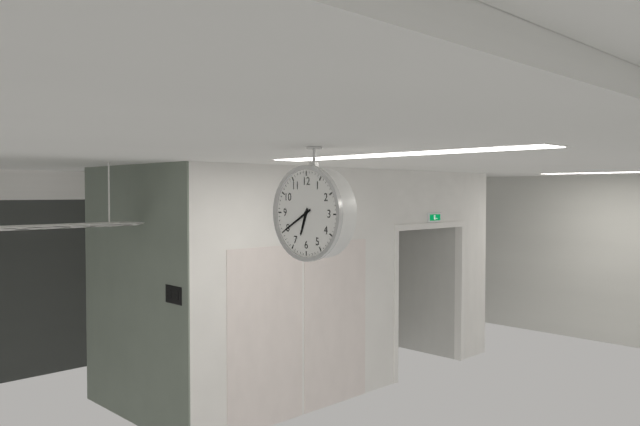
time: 6:40
